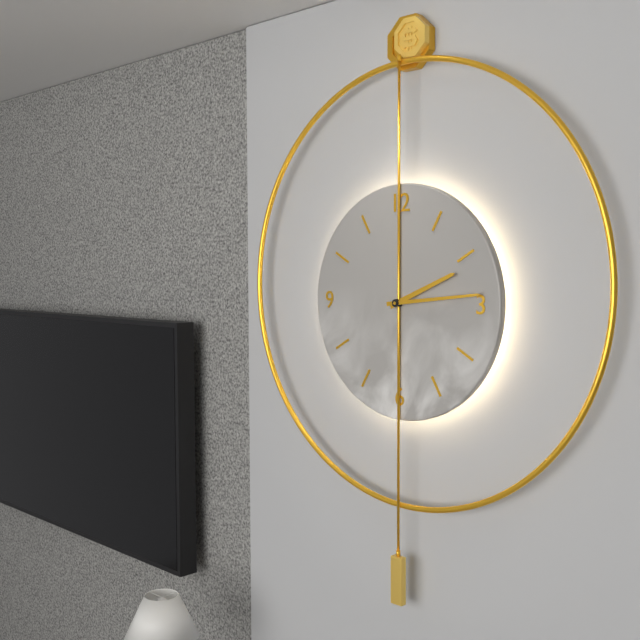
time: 2:14
